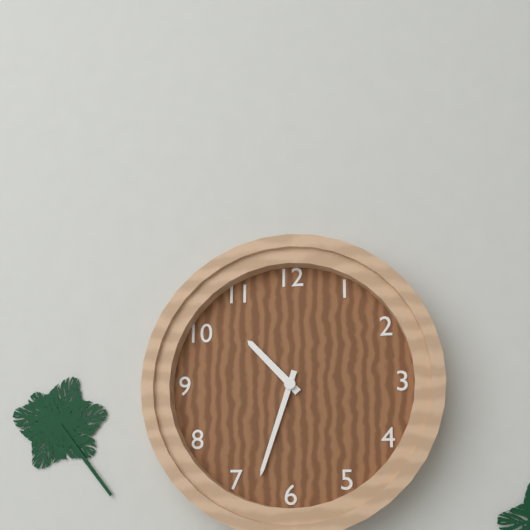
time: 10:33
